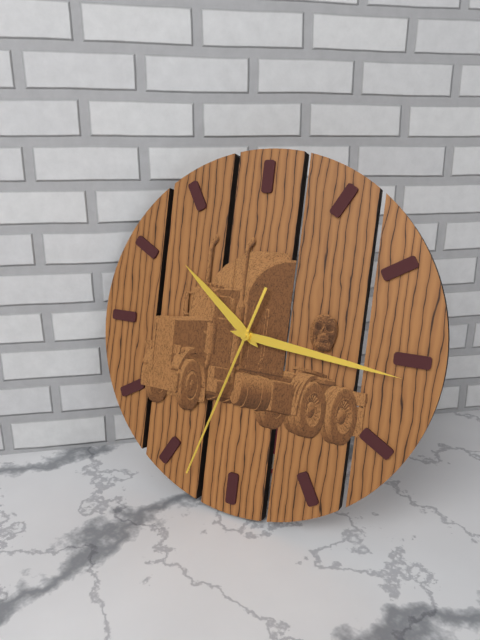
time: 10:16:33
